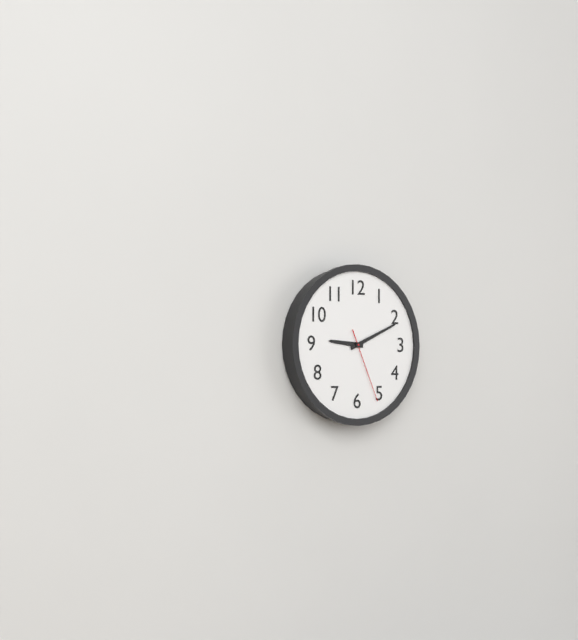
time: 9:11:26
